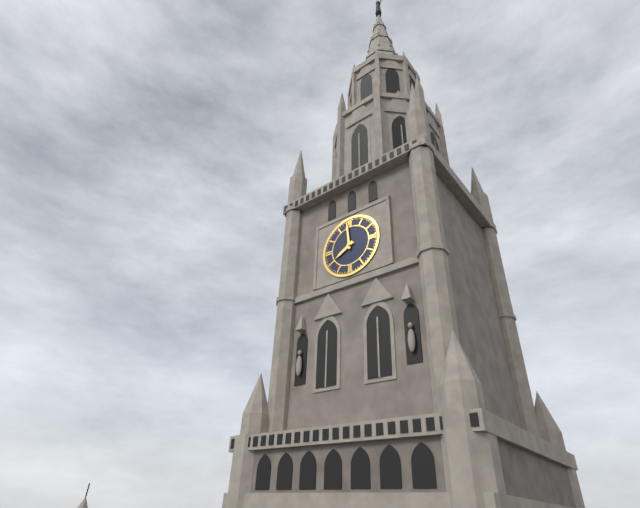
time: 7:59
